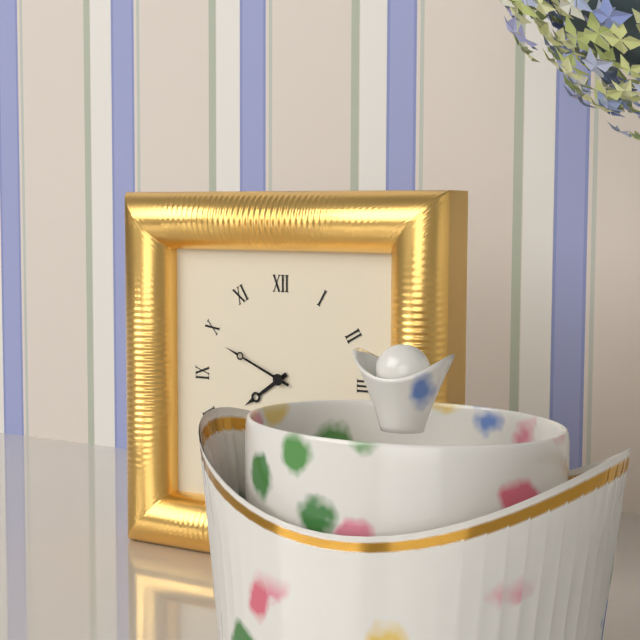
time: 7:49
